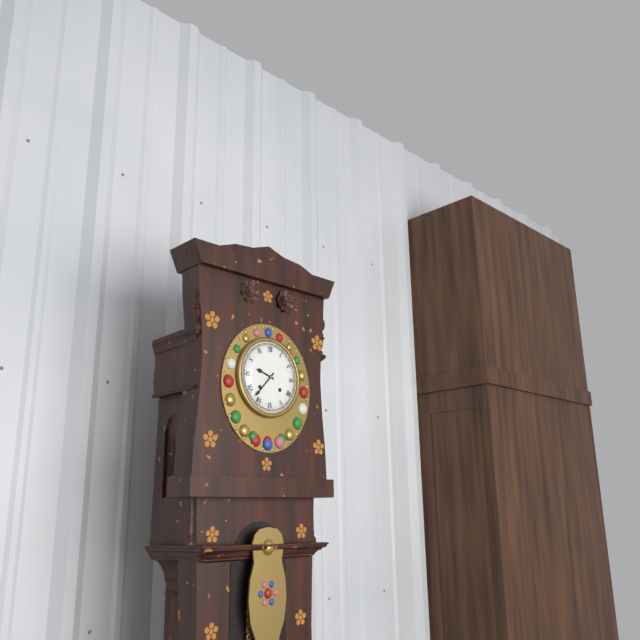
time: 9:37
